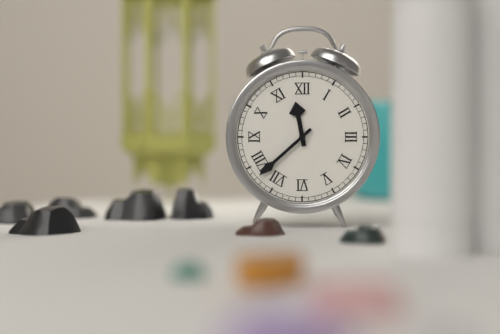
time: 11:38
